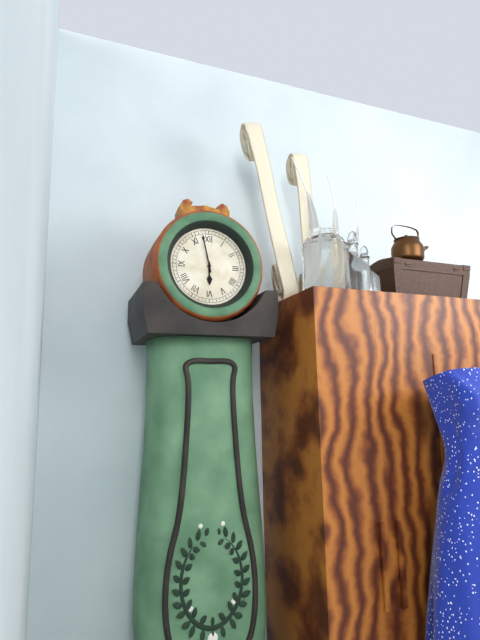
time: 5:58
